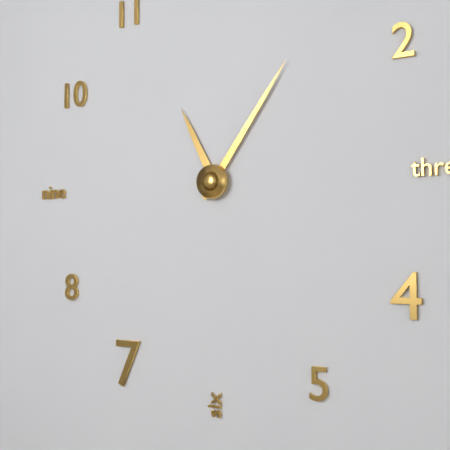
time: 11:06
